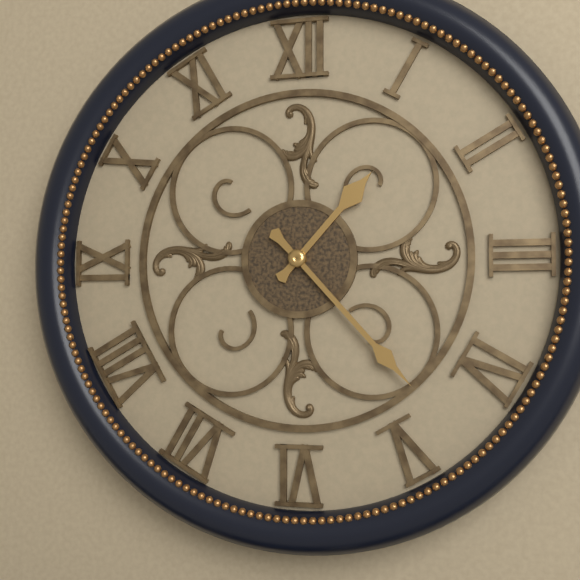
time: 1:23
